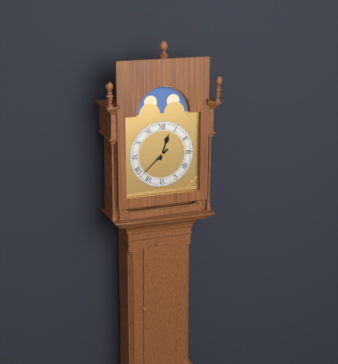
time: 12:38
